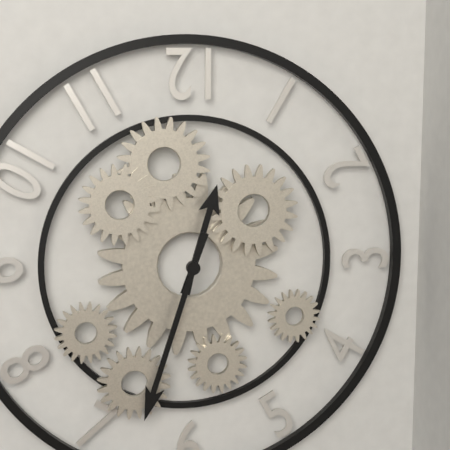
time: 12:33
